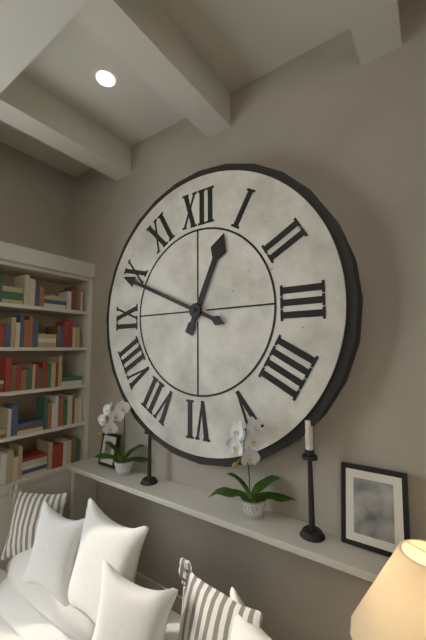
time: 12:49
